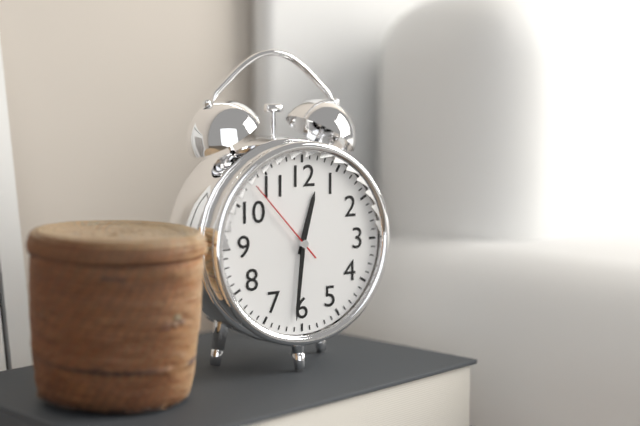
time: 12:31:53
